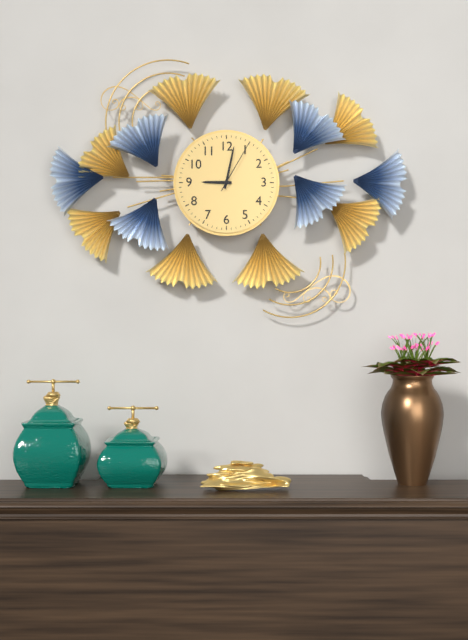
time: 9:02:05
